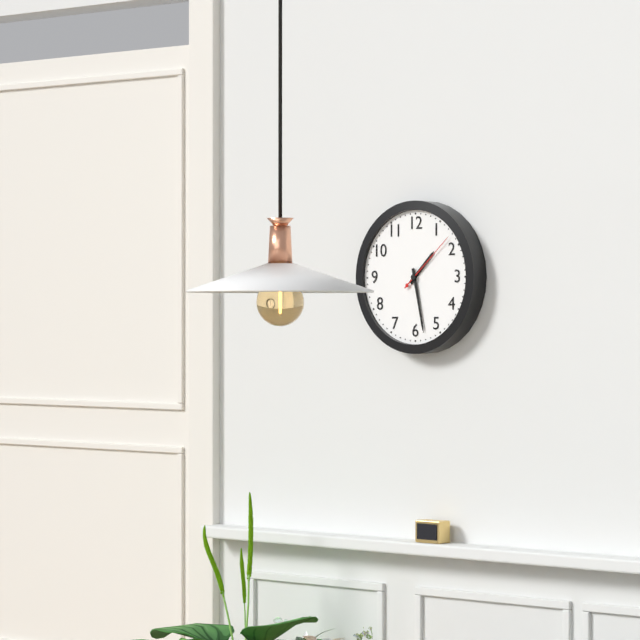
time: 1:28:08
